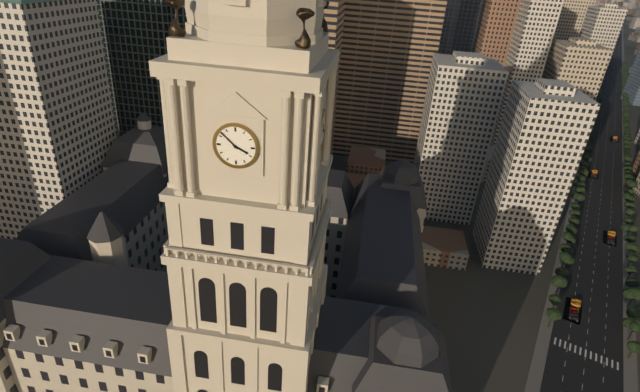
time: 3:52
